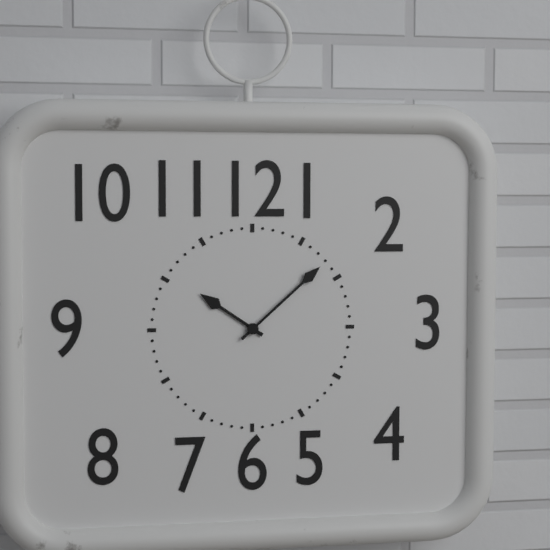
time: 10:08
